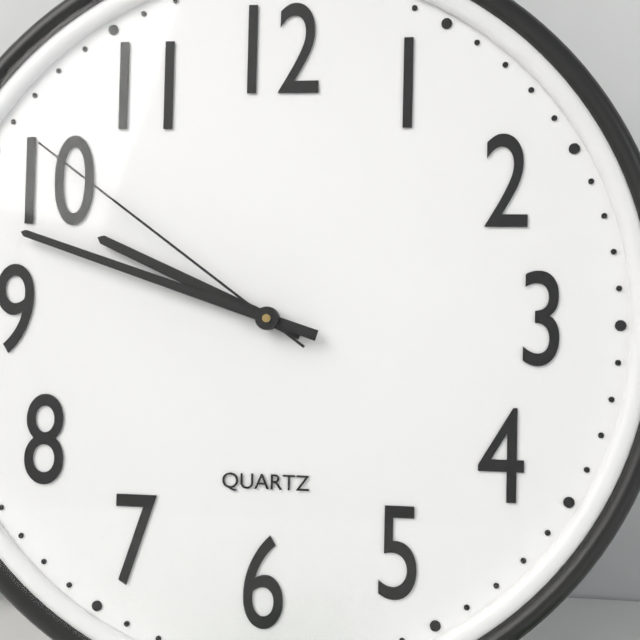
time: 9:48:51
